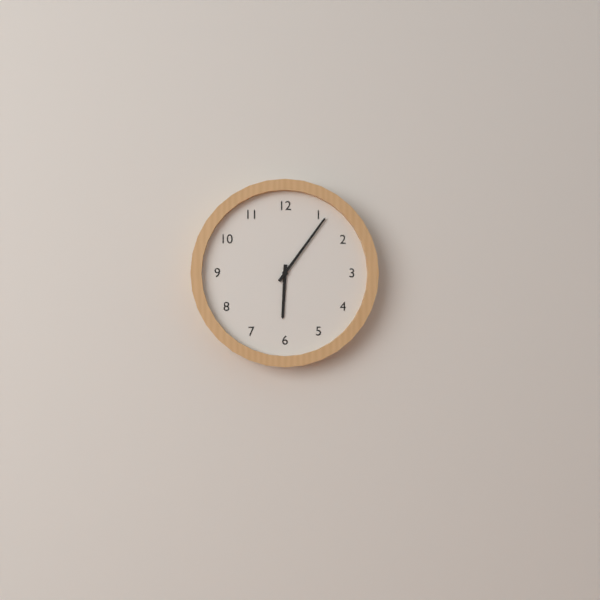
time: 6:06
